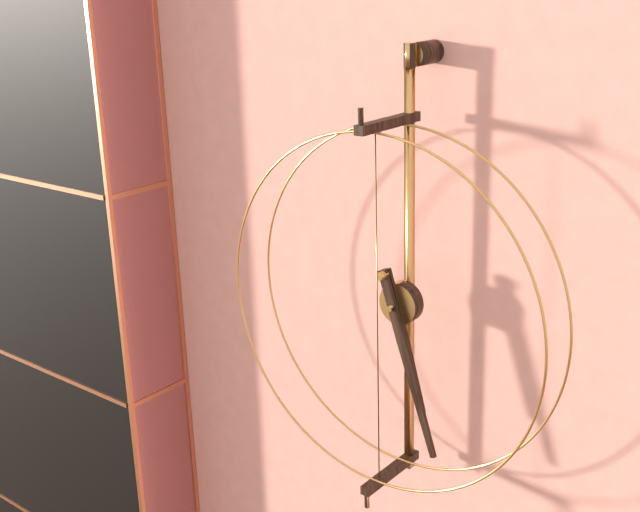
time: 5:27
